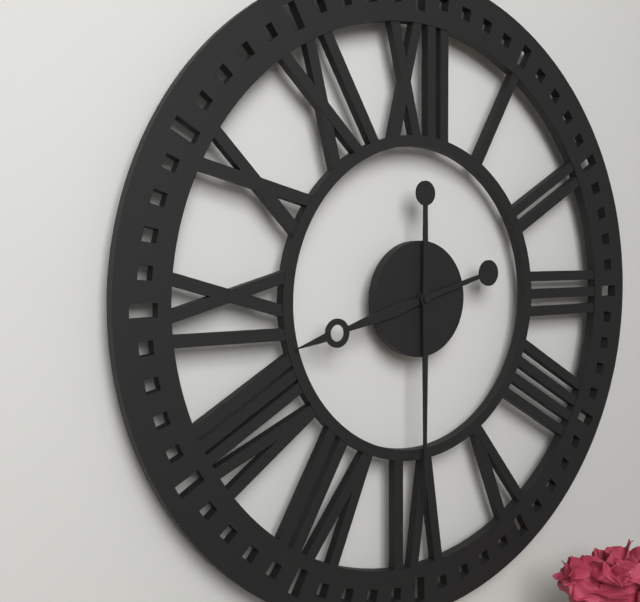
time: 8:30
